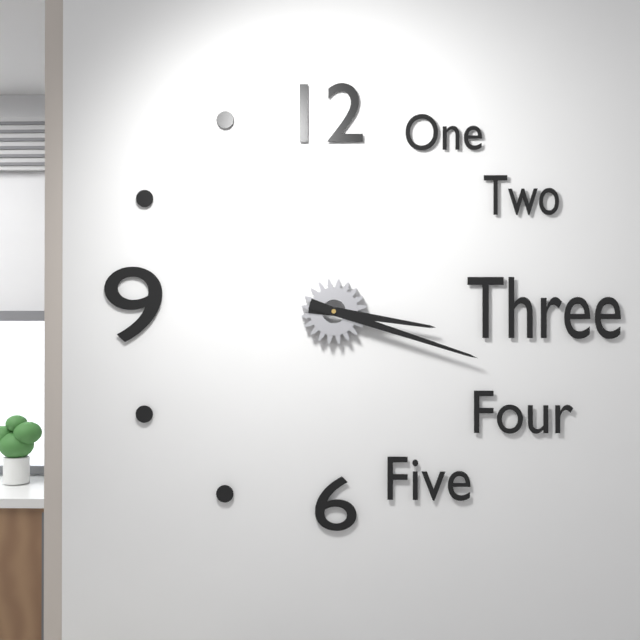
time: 3:18
